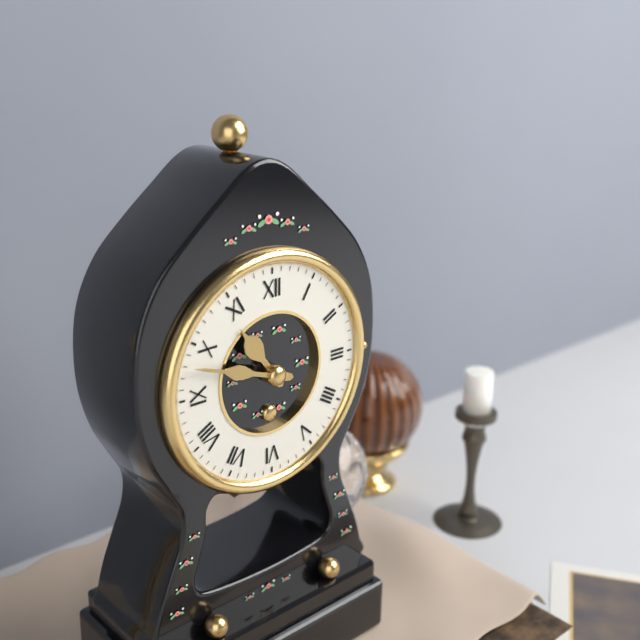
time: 10:48
